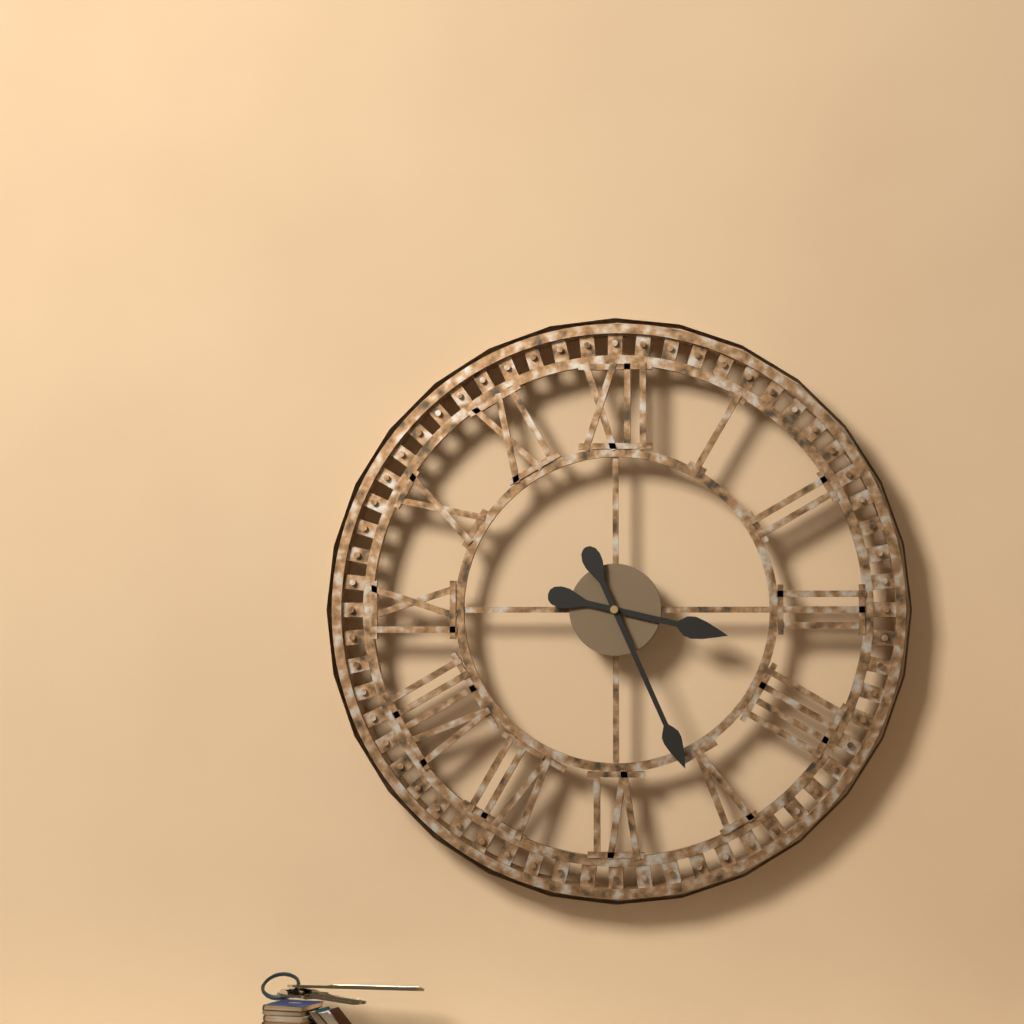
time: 3:26
